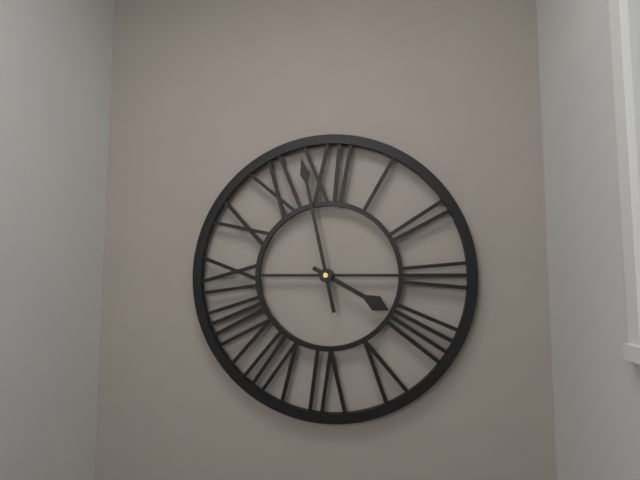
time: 3:58
